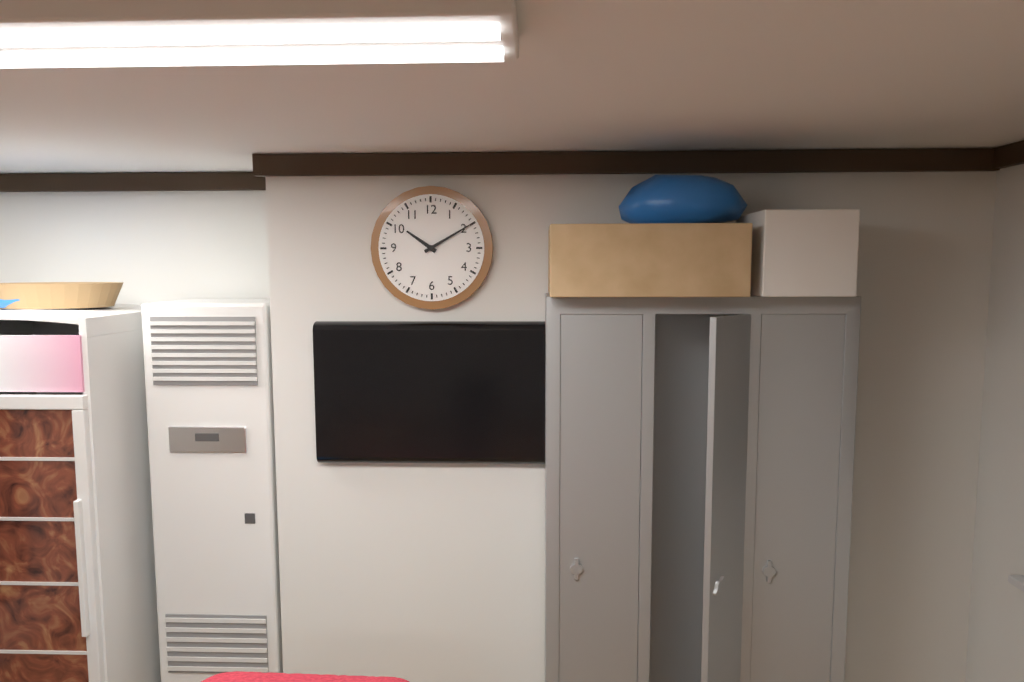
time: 10:10
